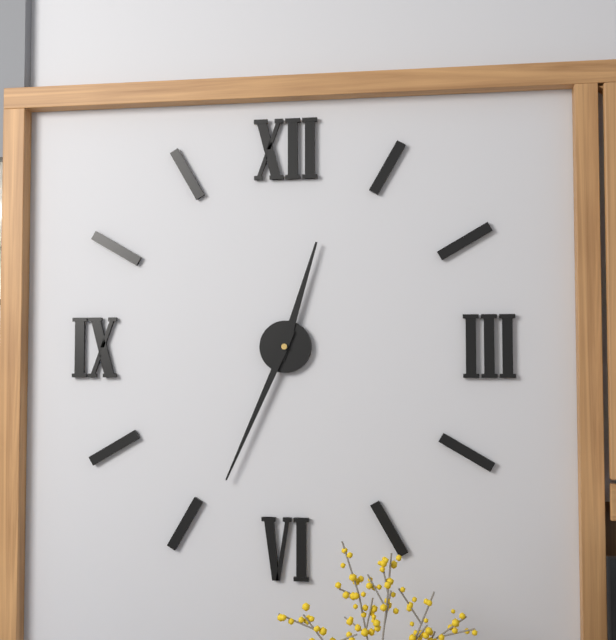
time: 12:34
